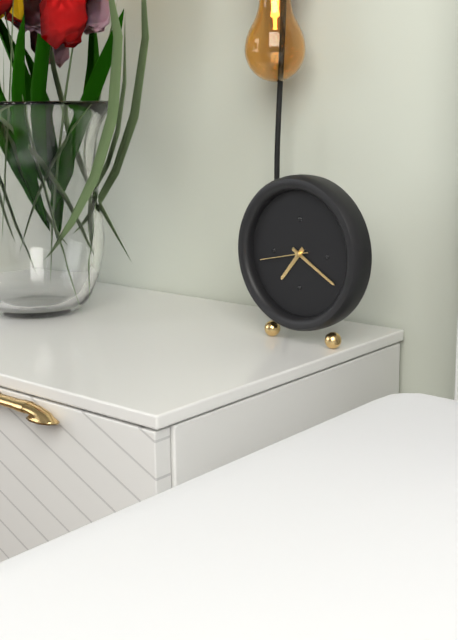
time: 7:20:43
